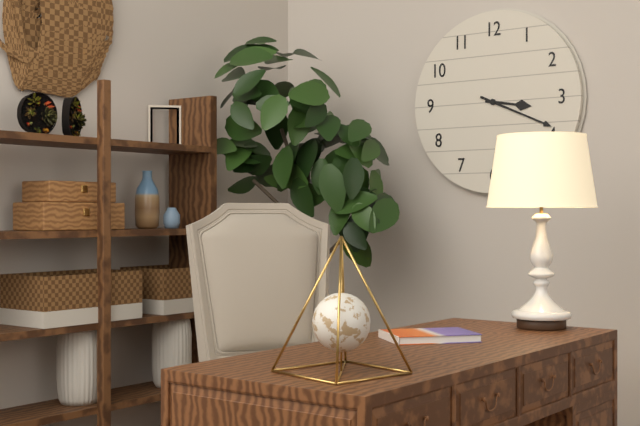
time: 3:19
